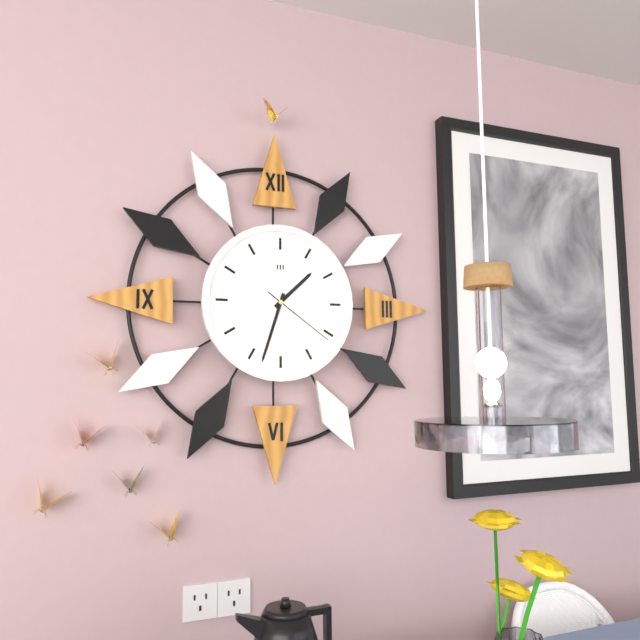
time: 1:33:21
